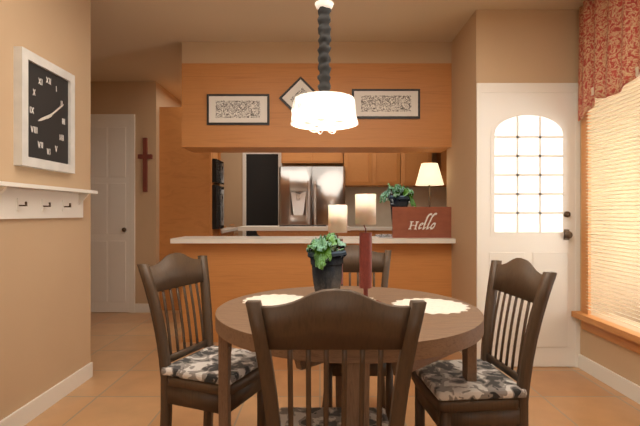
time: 8:09
